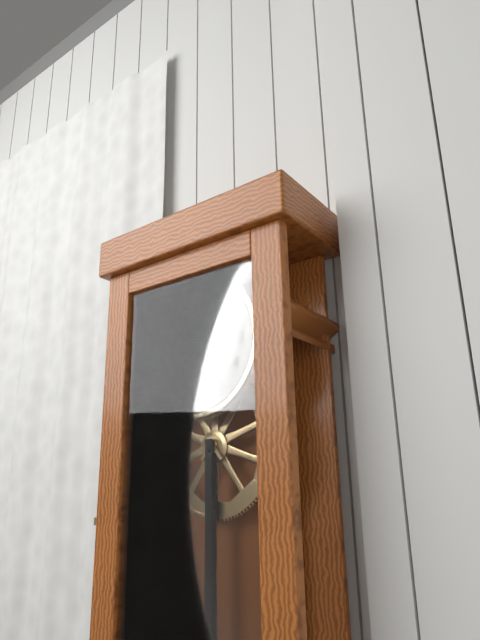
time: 6:02
